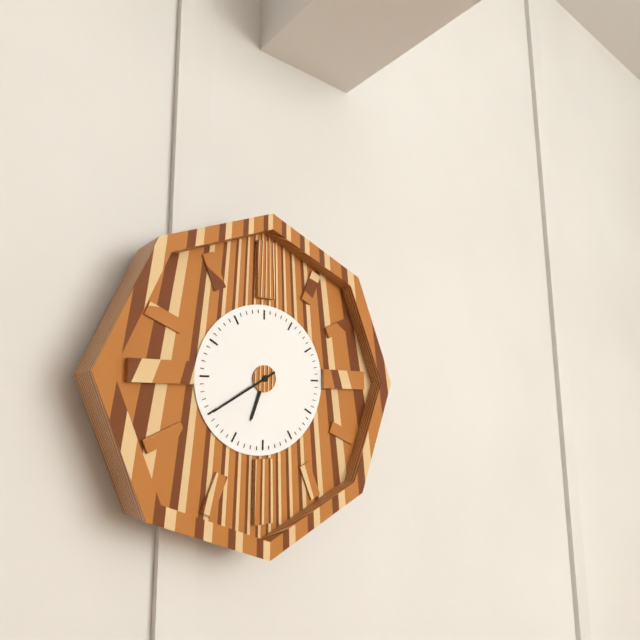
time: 6:40
